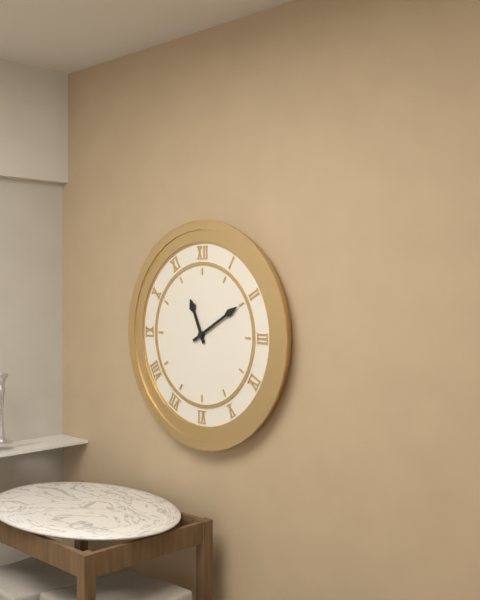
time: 11:10
